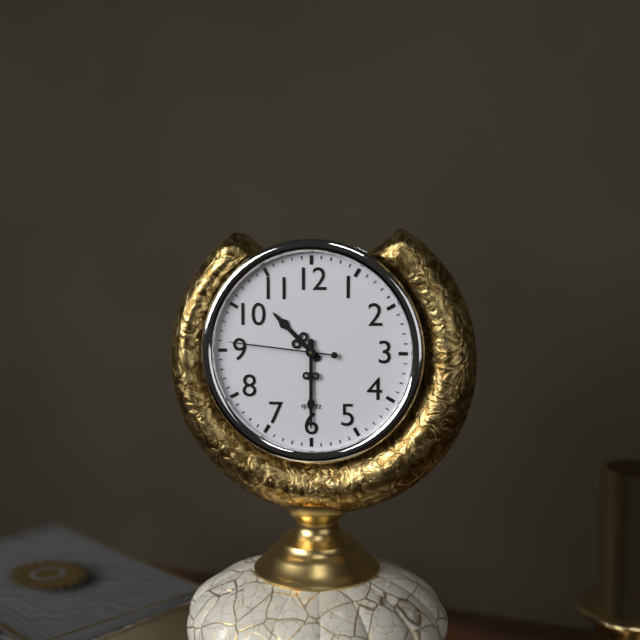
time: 10:30:46
